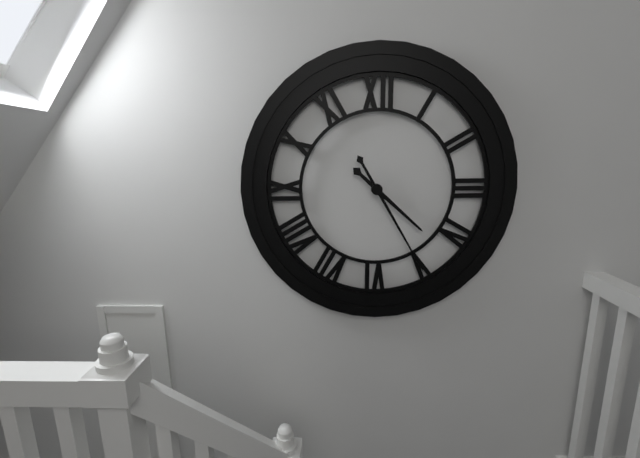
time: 4:25
